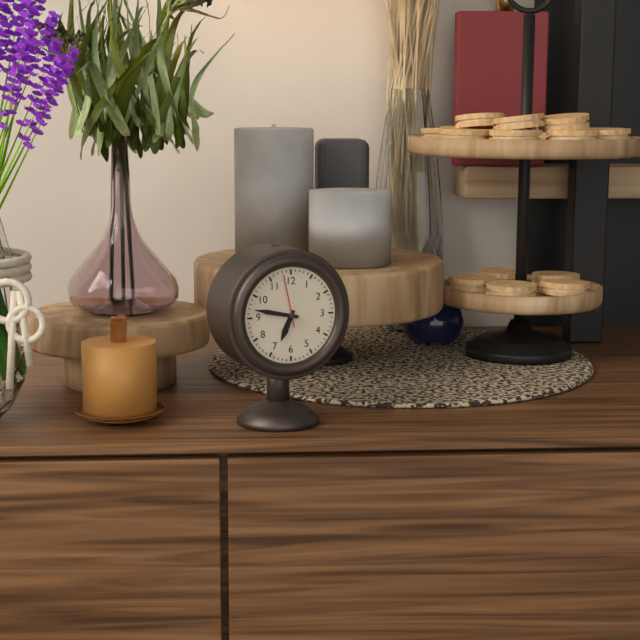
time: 6:47:58
